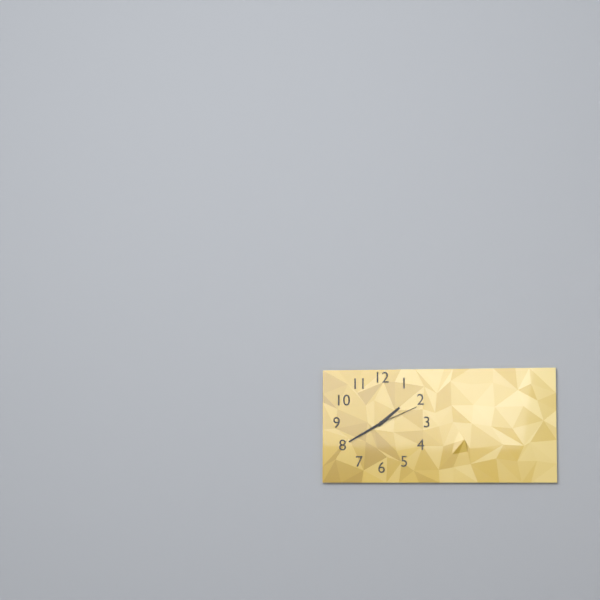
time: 1:40
